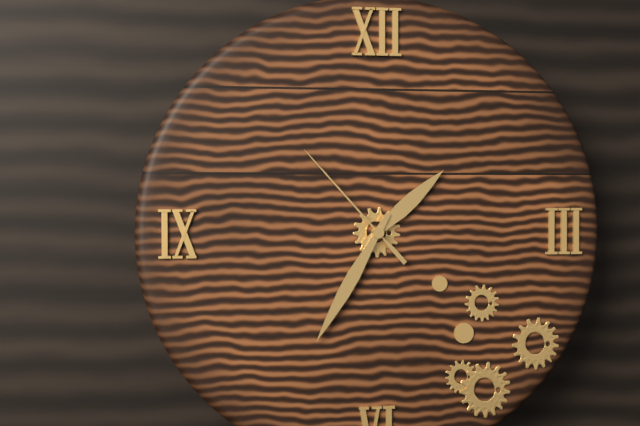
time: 1:35:53
